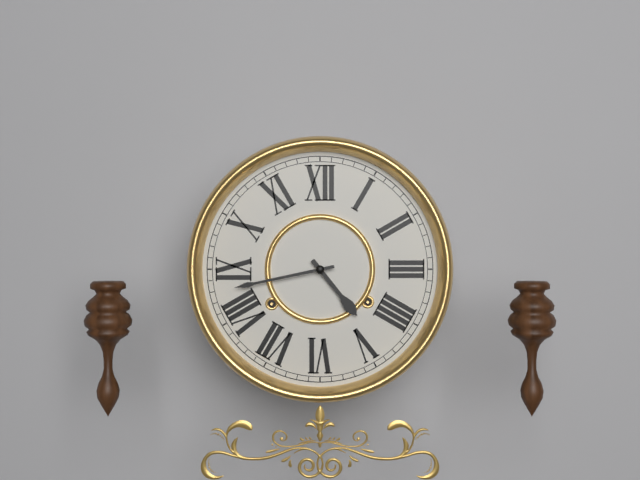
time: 4:43
